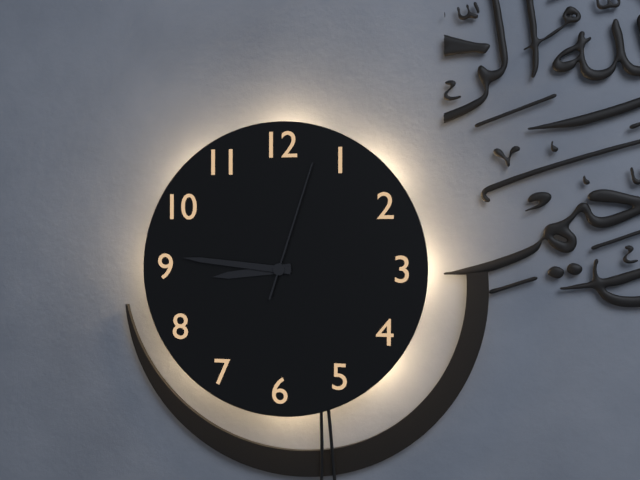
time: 8:46:03
